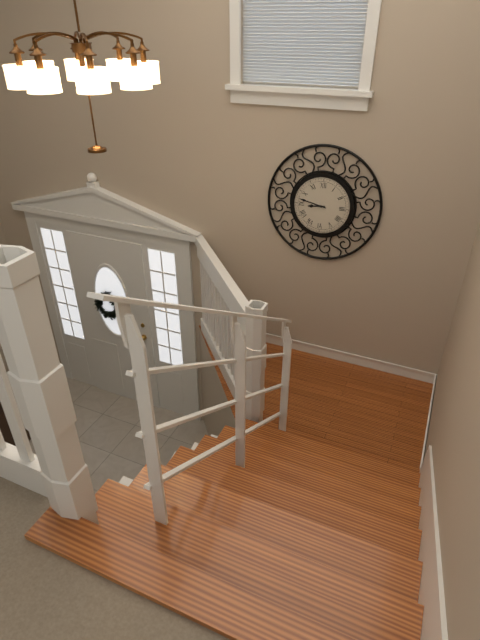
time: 8:47
